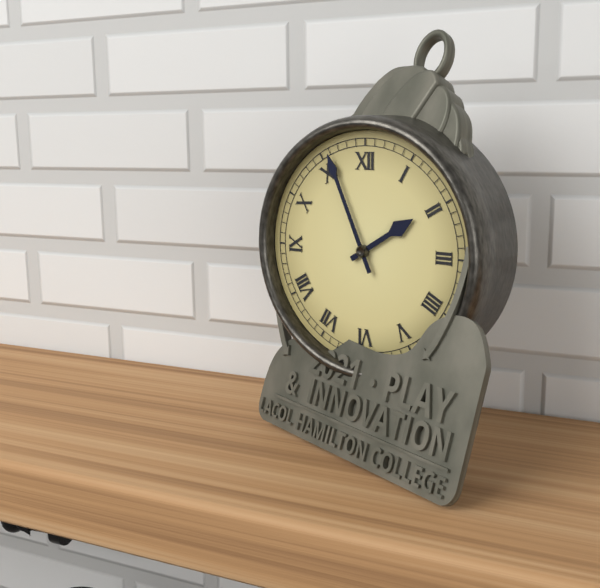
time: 1:56
